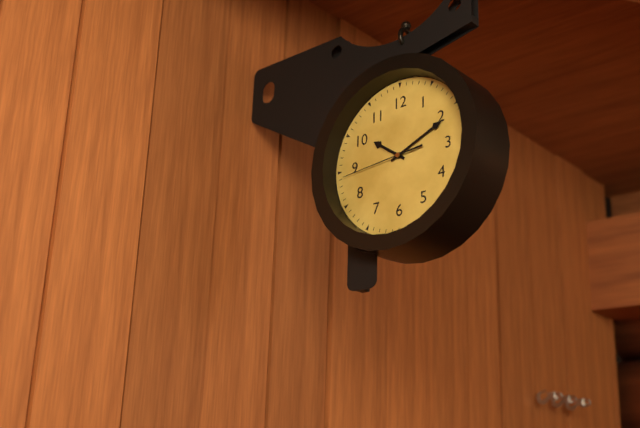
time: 10:11:44
